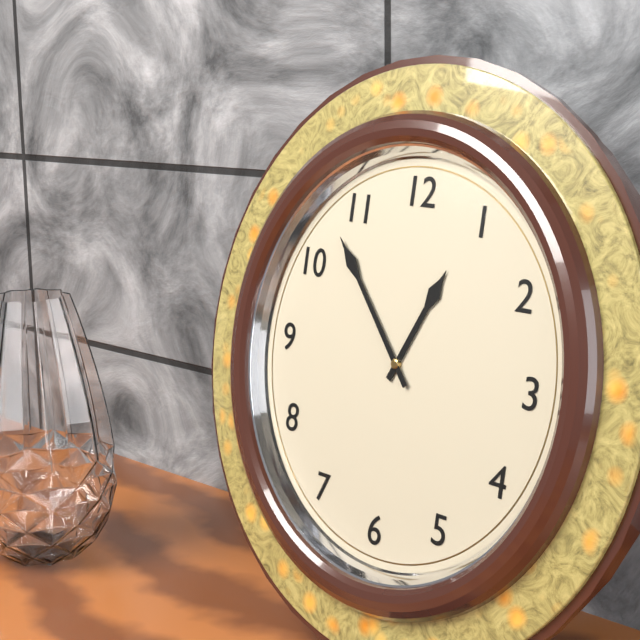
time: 12:53
